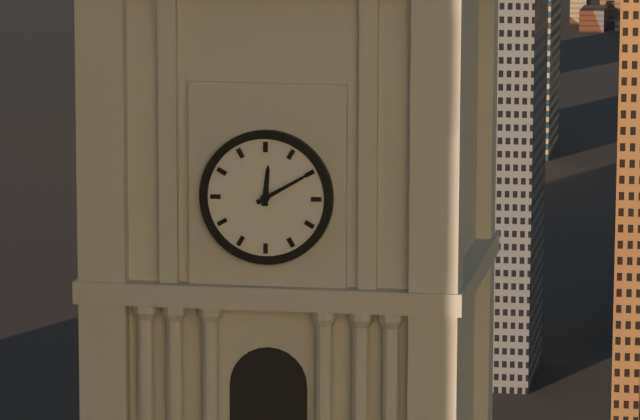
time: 12:10
